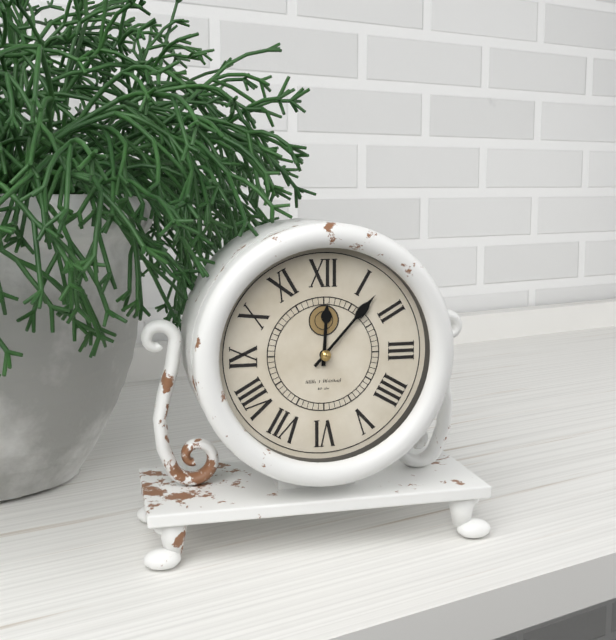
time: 12:07
